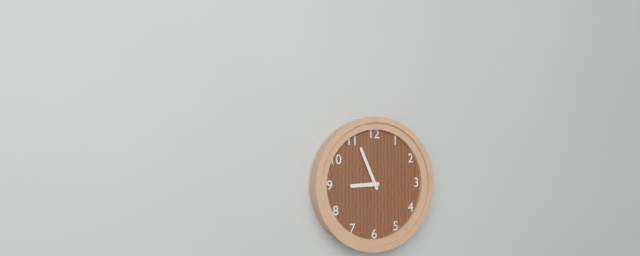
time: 8:56
